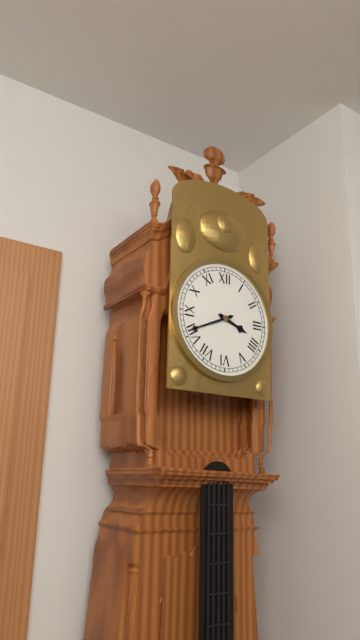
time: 3:41
